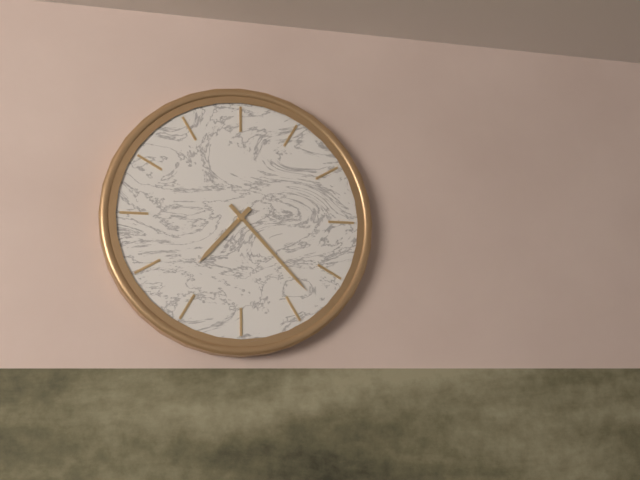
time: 7:23
